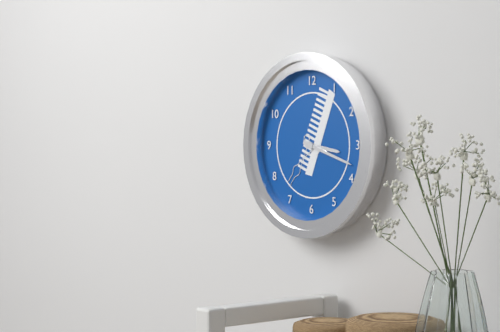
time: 3:18
